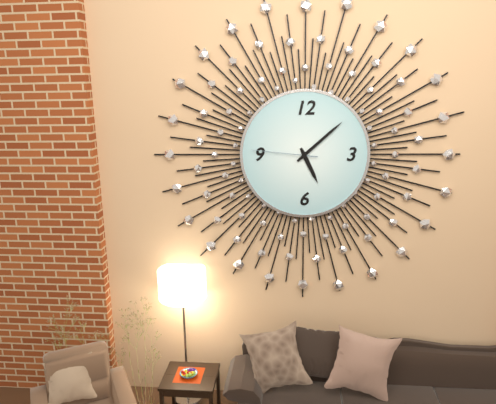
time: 5:08:46
